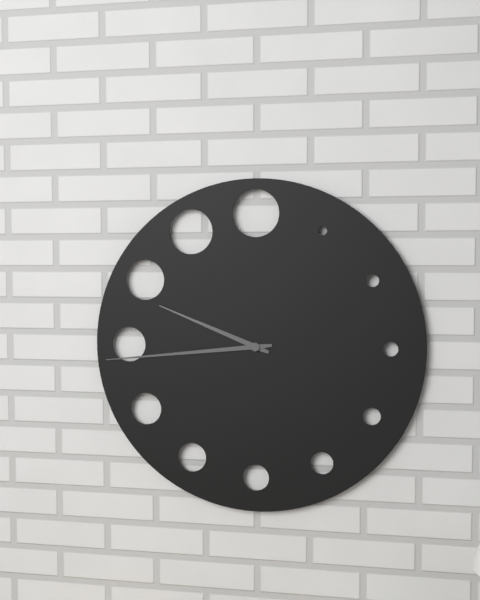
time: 9:44
